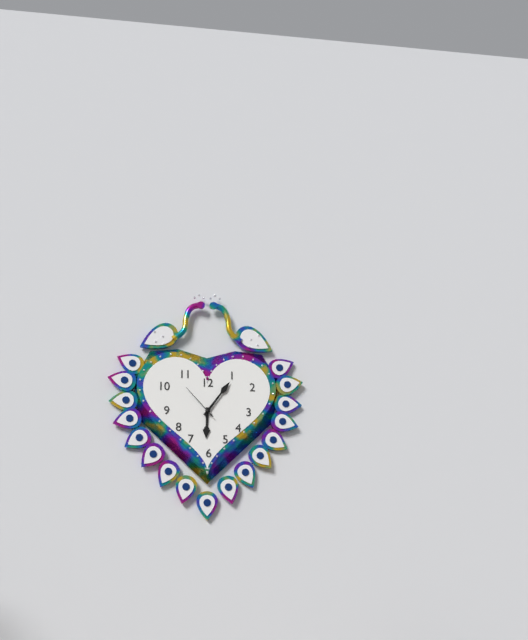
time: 6:06
